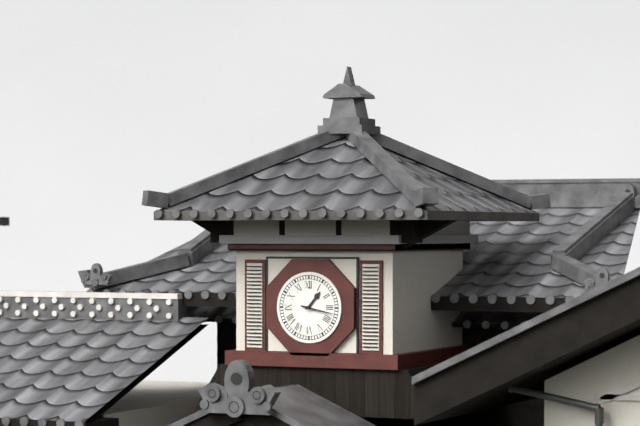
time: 1:17
